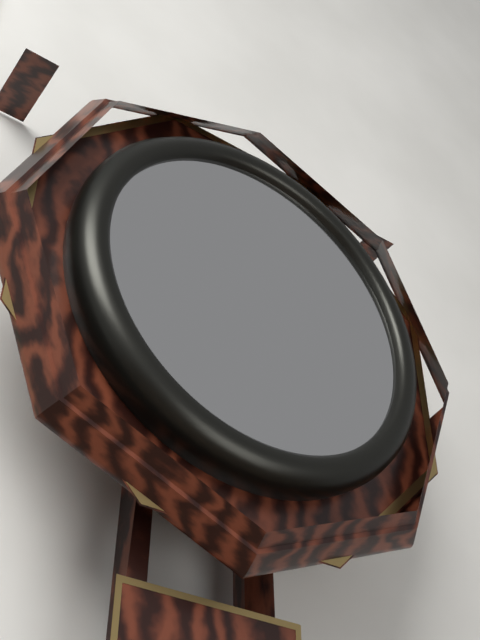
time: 3:32
